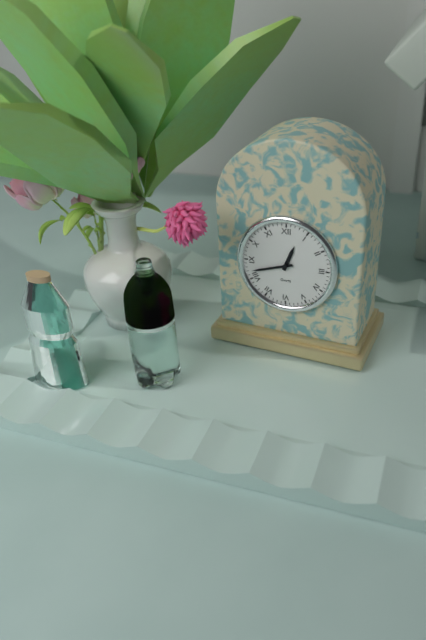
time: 12:42
